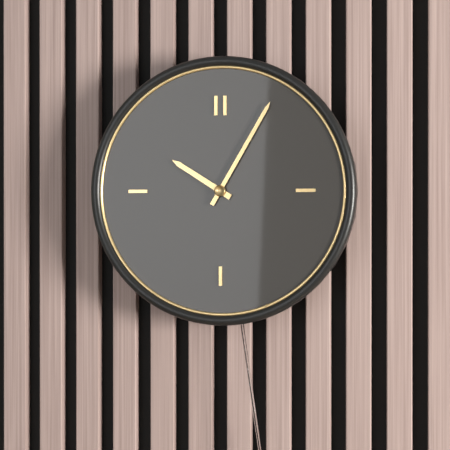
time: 10:05
